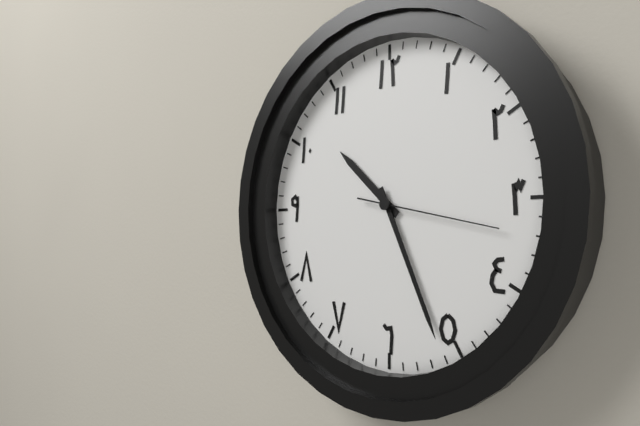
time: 10:26:17
